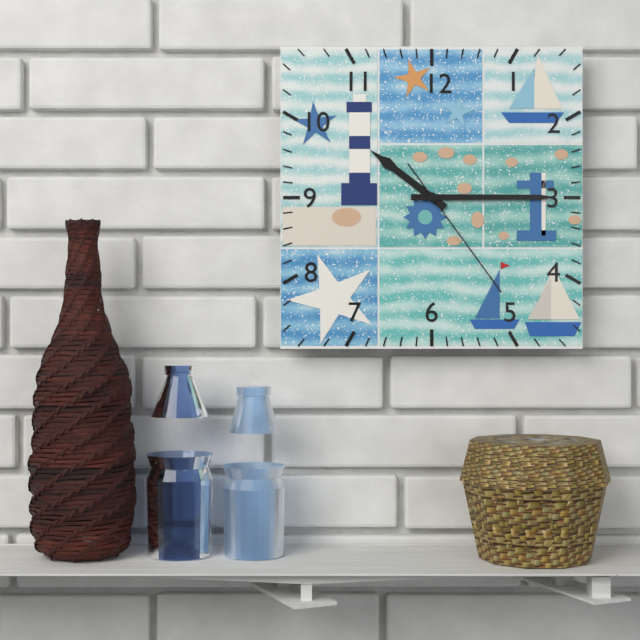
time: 10:15:24
